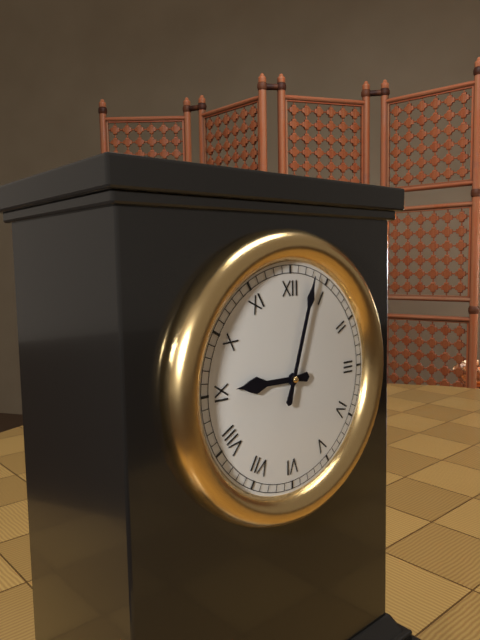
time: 9:03
